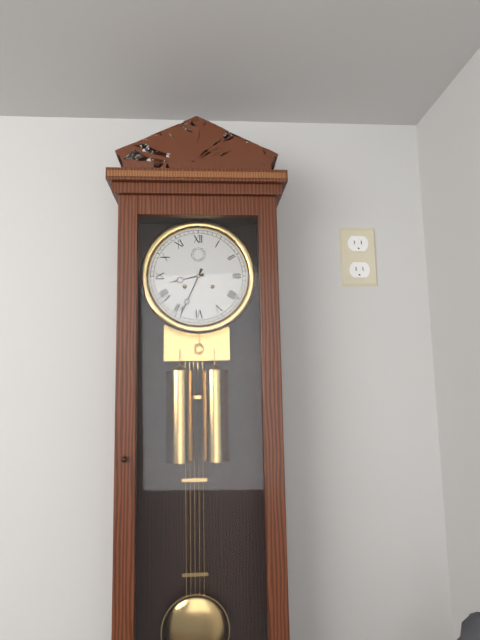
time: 8:34
